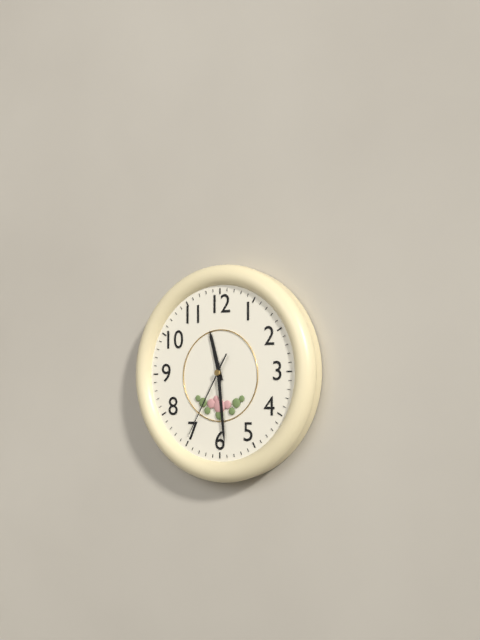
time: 11:29:35
